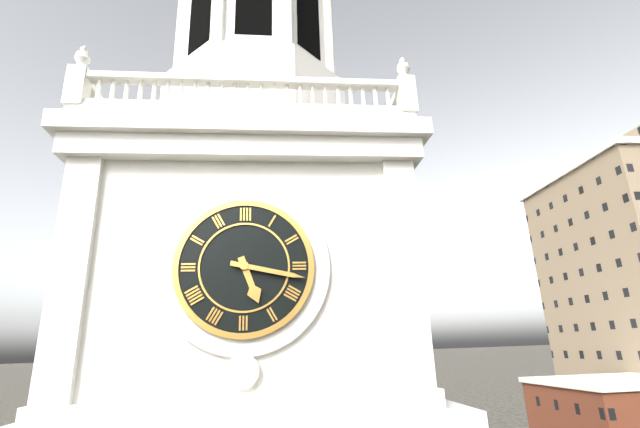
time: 5:17
